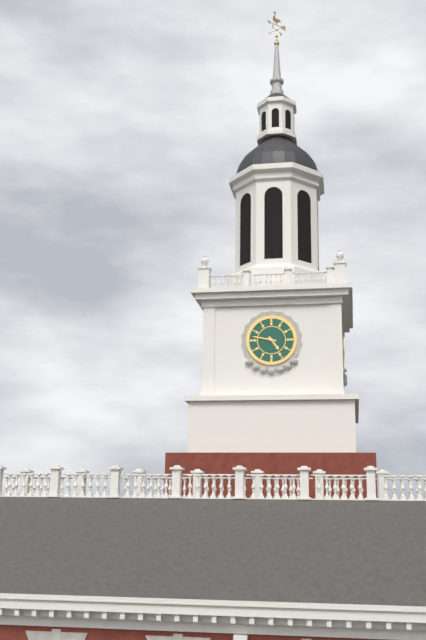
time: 4:47
